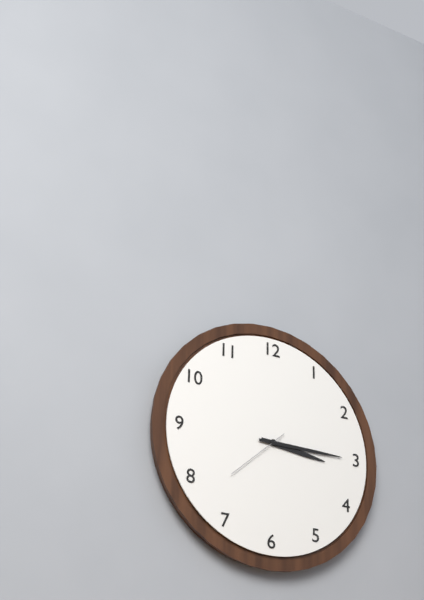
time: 3:15:38
